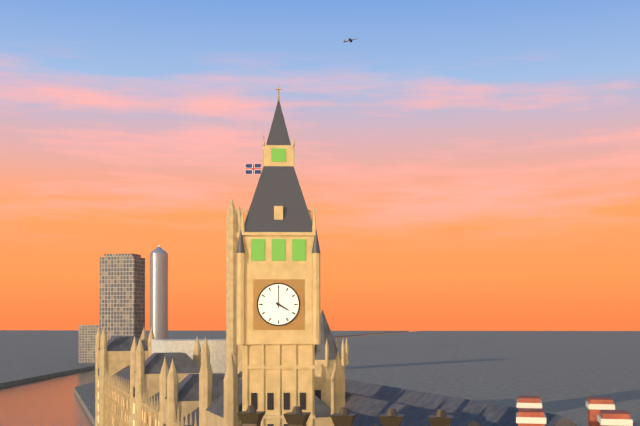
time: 4:00
